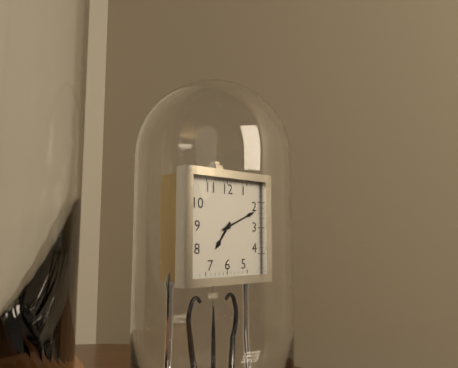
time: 7:11
